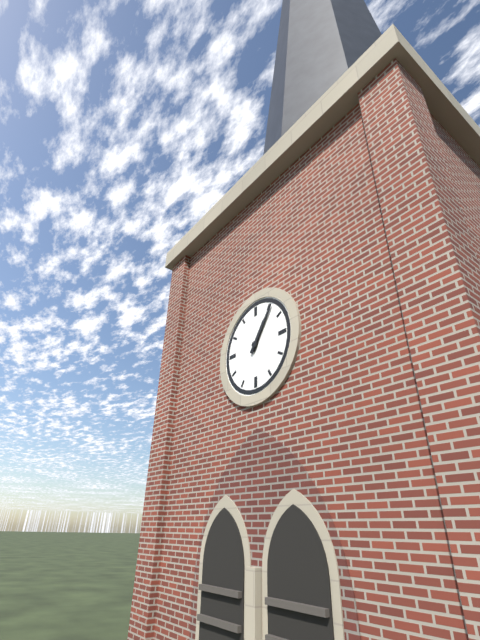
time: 1:06
